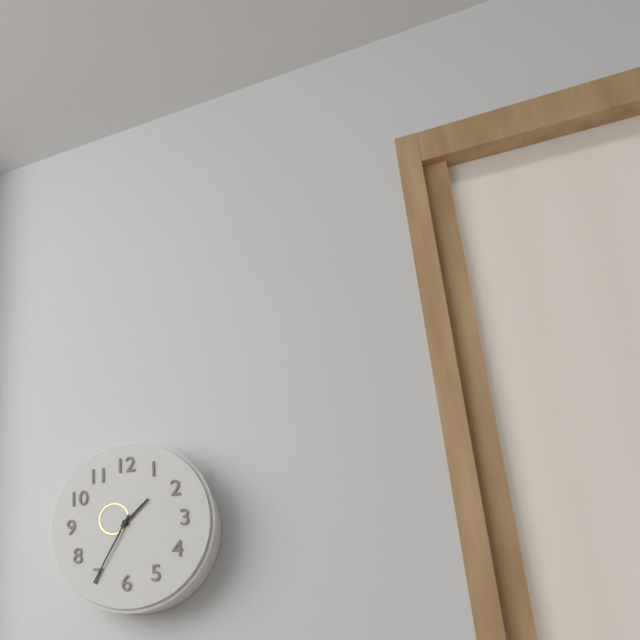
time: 1:35
